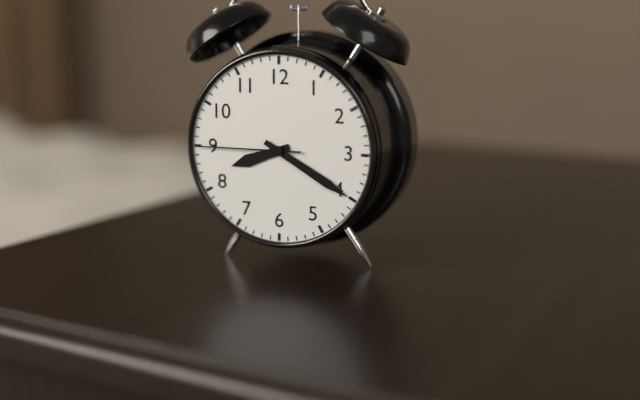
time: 8:20:45
